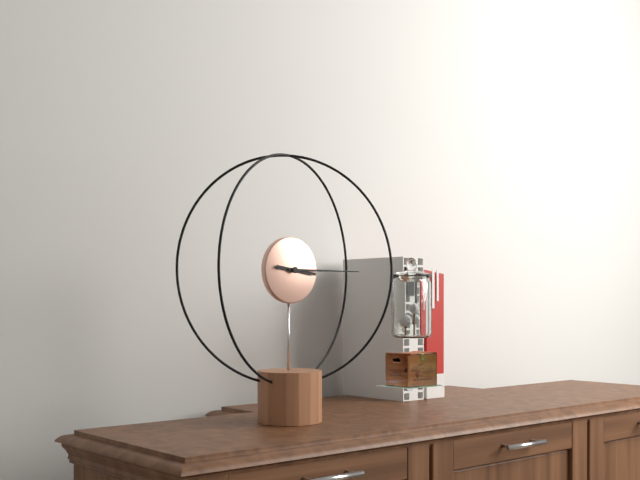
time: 3:15
